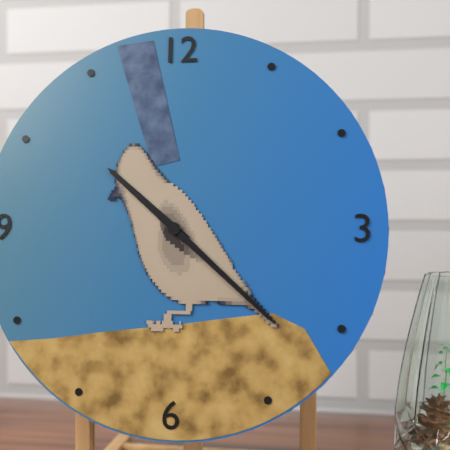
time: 10:22
